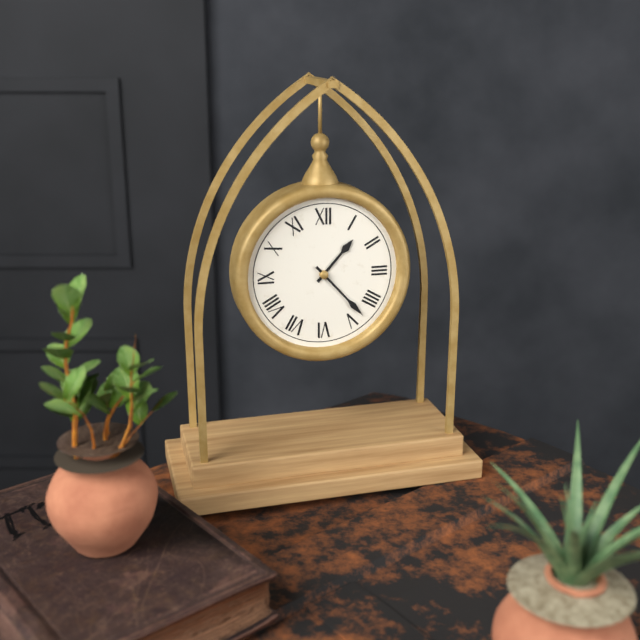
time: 1:23
